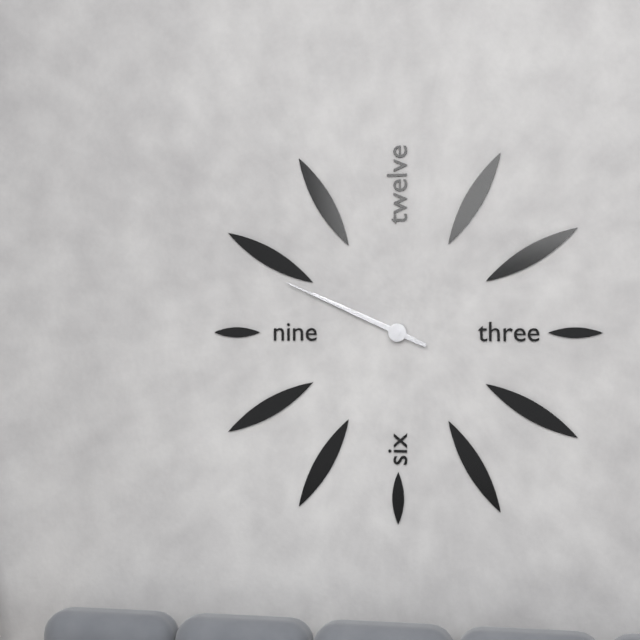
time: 9:49
